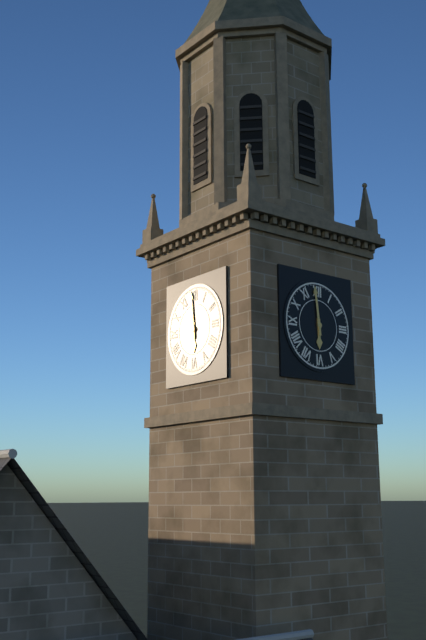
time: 5:59
